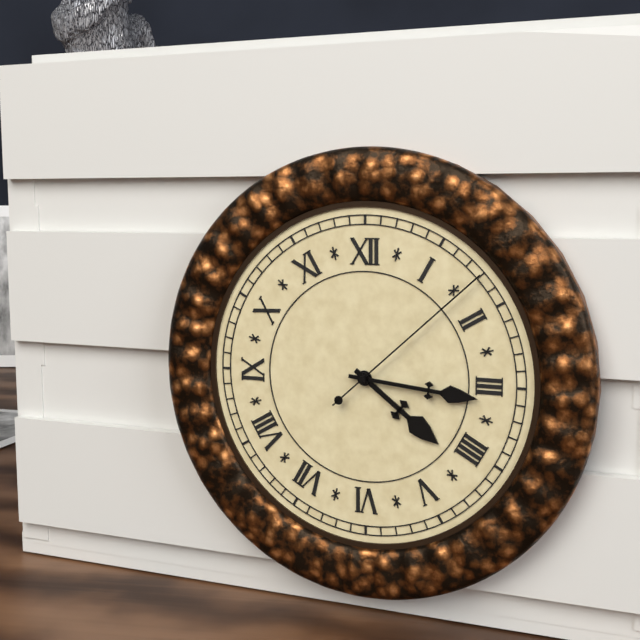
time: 4:16:08
